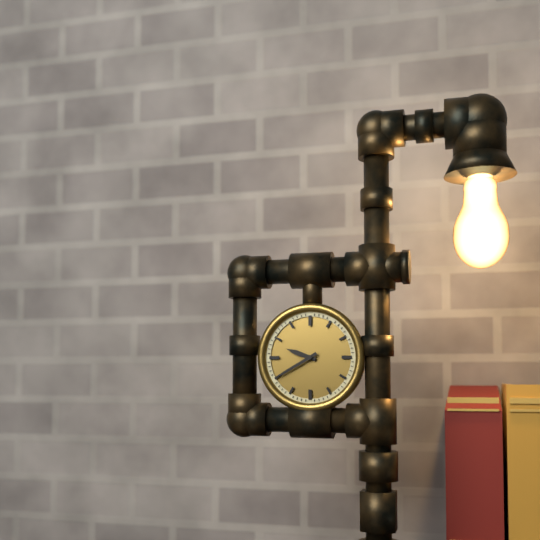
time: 9:40
